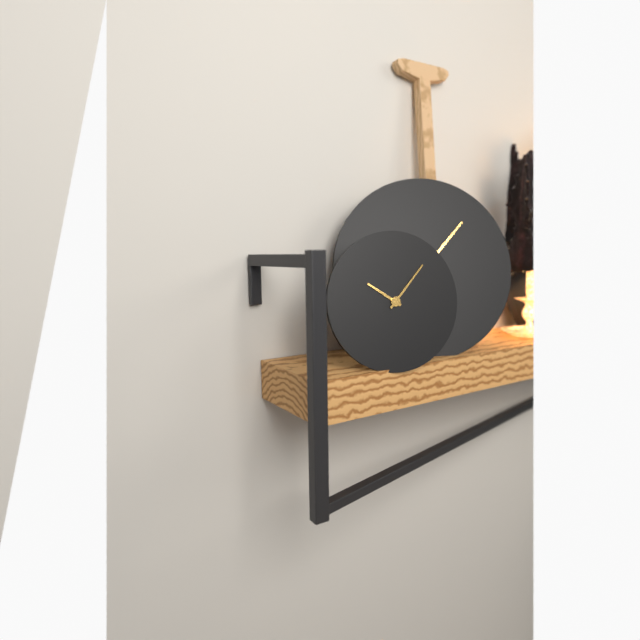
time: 10:07
